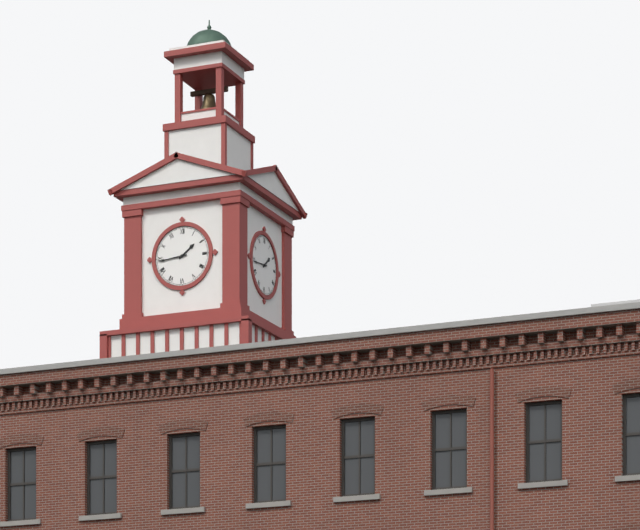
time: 1:44
